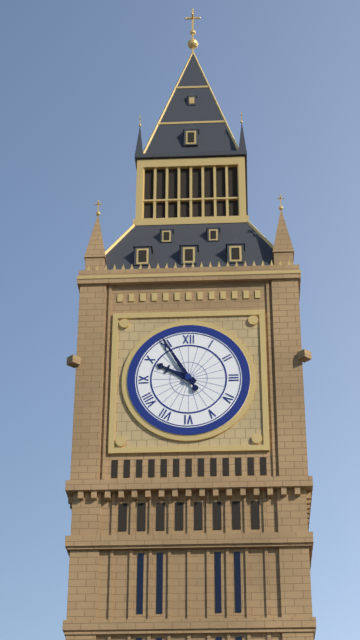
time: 9:55
